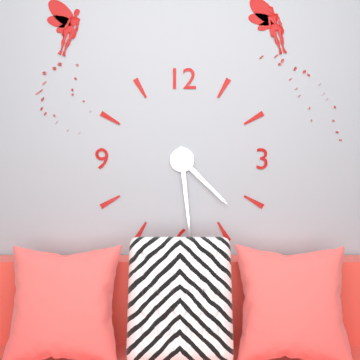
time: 4:29
